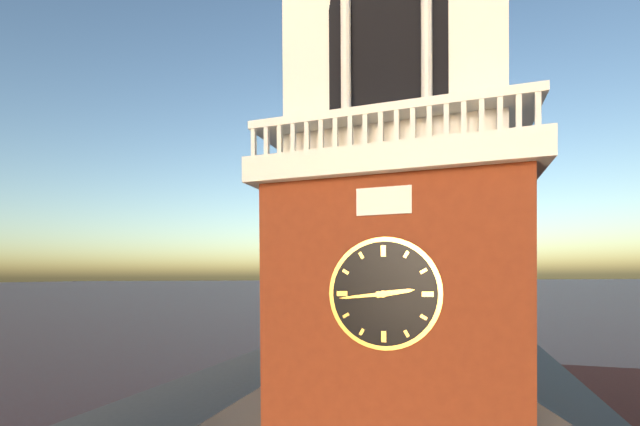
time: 2:44
